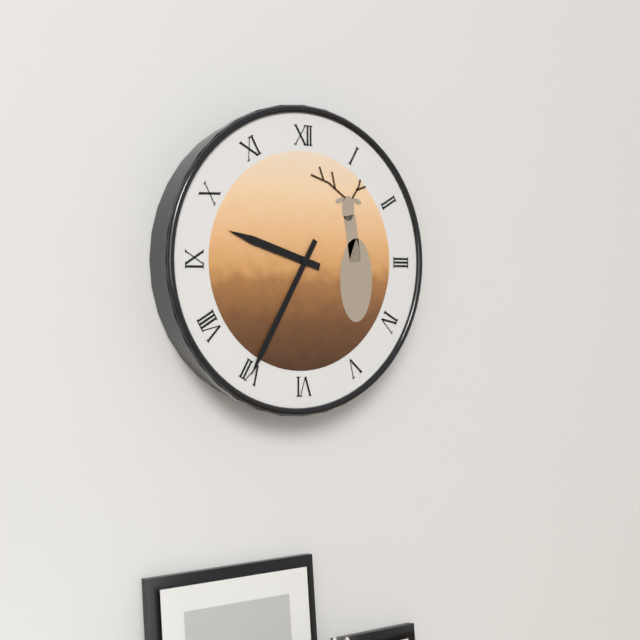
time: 9:35
